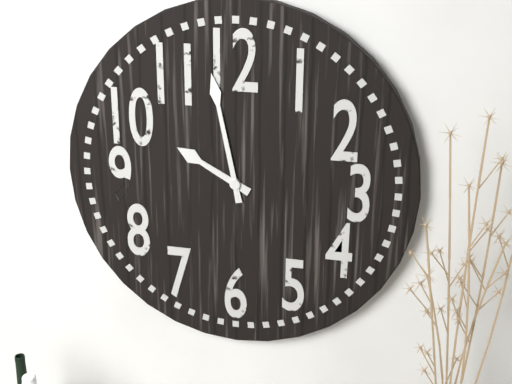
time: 9:58
